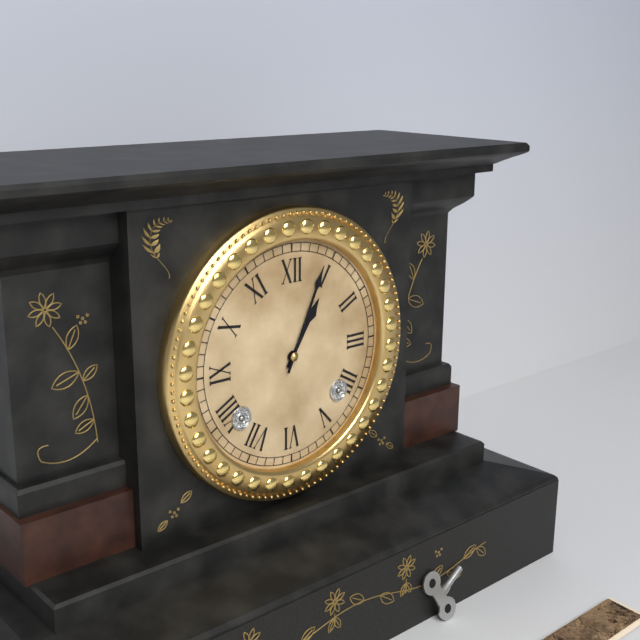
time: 1:04
